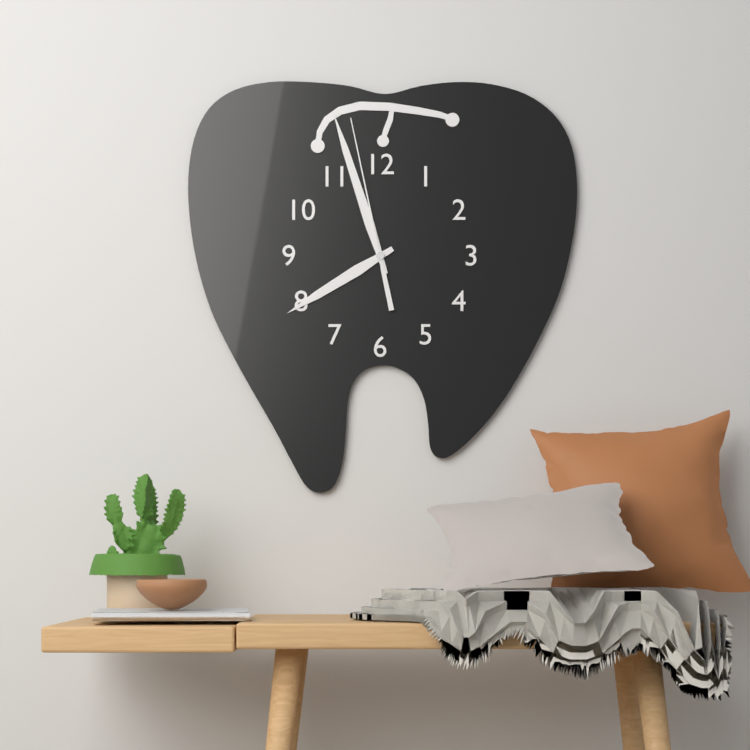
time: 7:57:58
